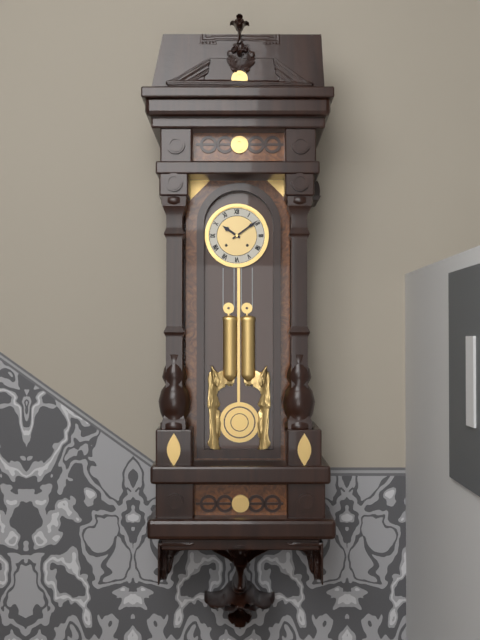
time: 10:09
